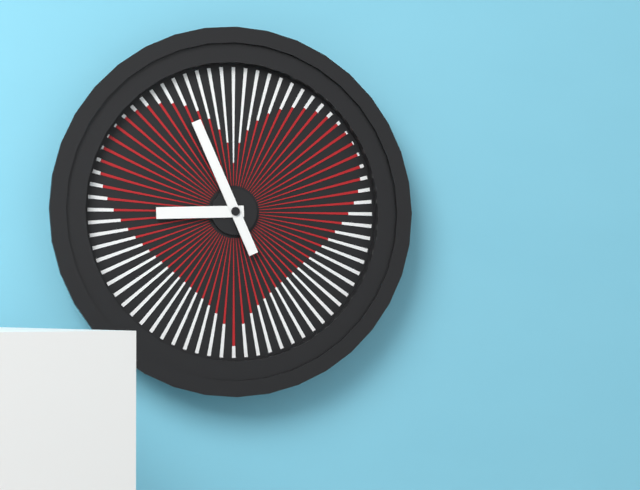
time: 8:56
